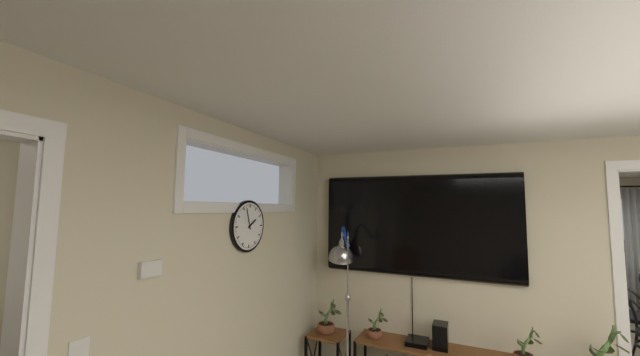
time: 1:57
